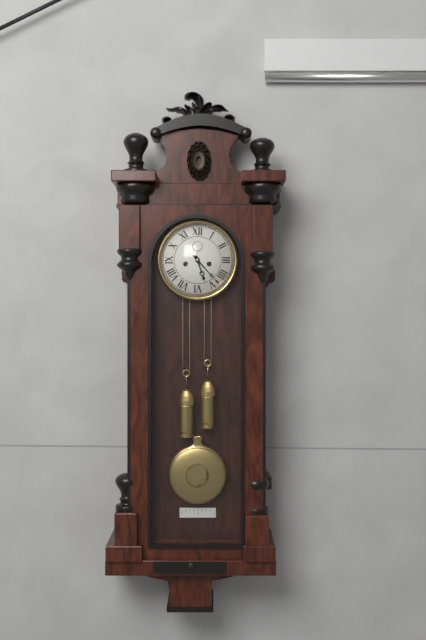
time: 5:23
